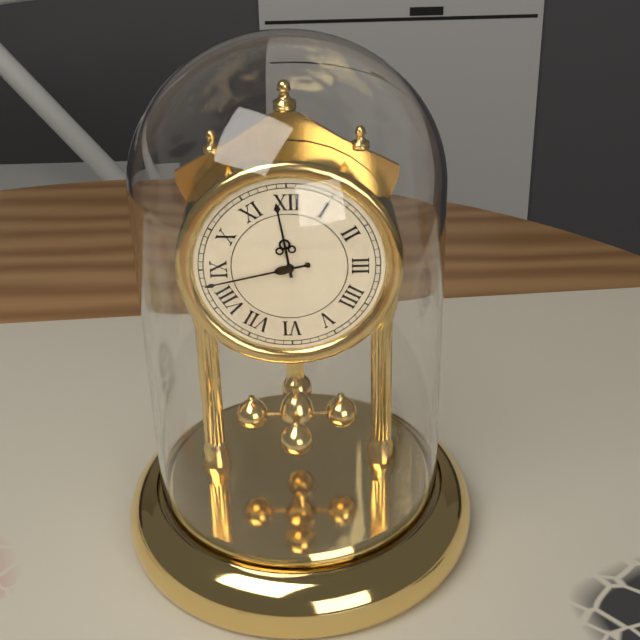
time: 11:43
